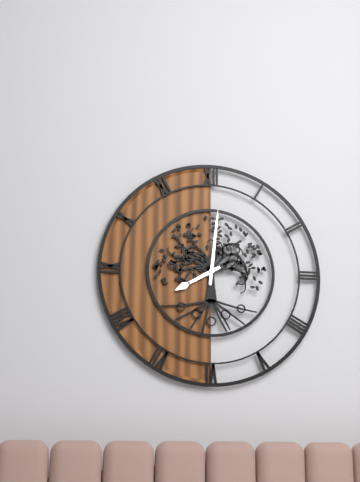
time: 8:01
